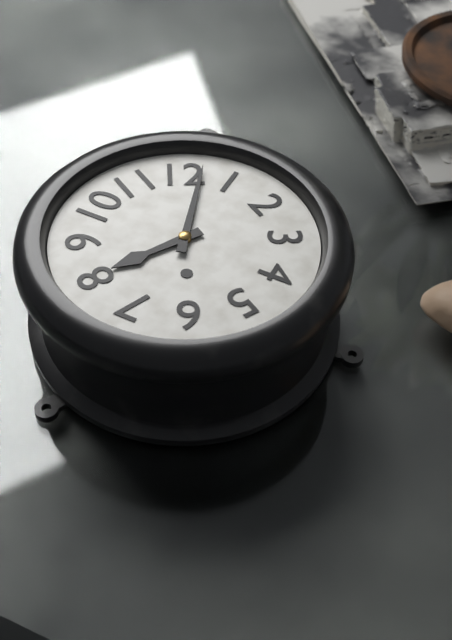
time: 8:02
